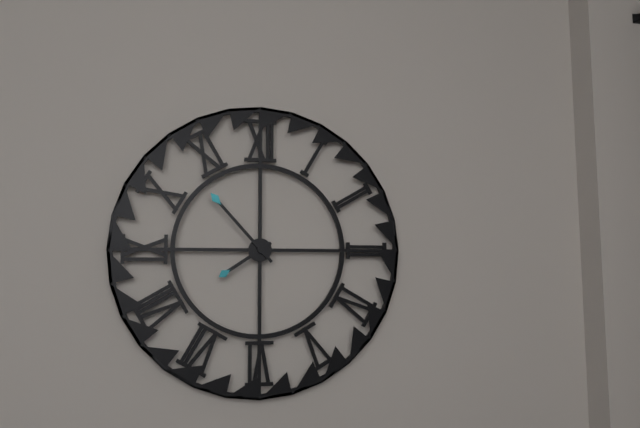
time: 7:53
